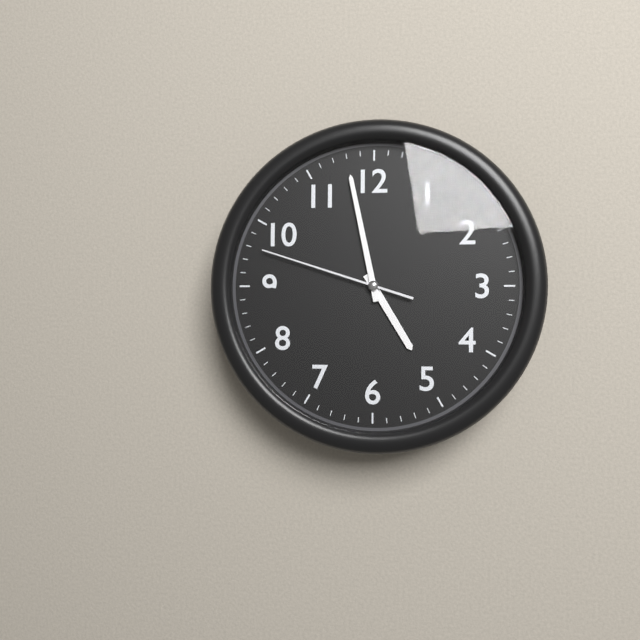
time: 4:58:48
